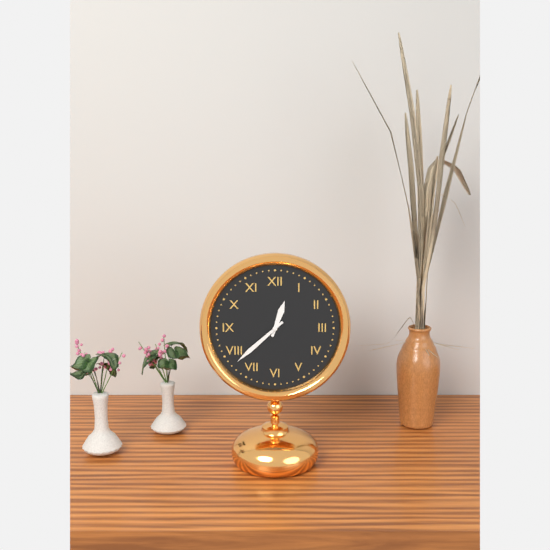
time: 12:38
